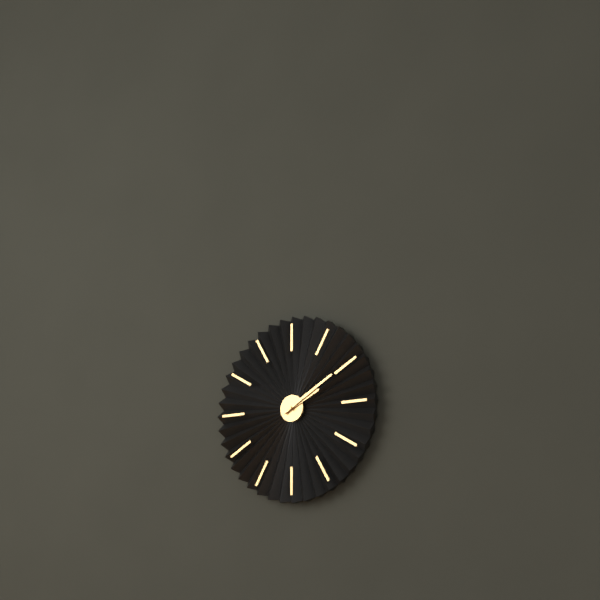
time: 2:10
